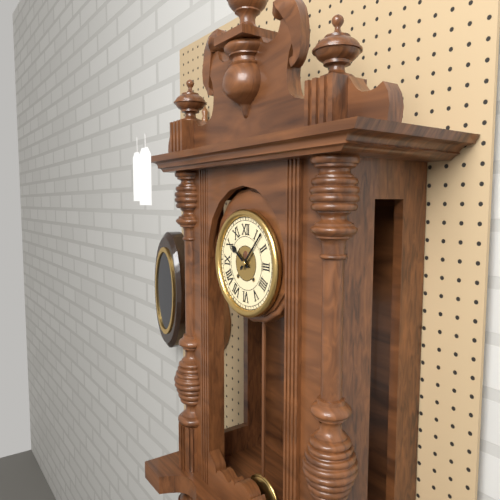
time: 10:07
